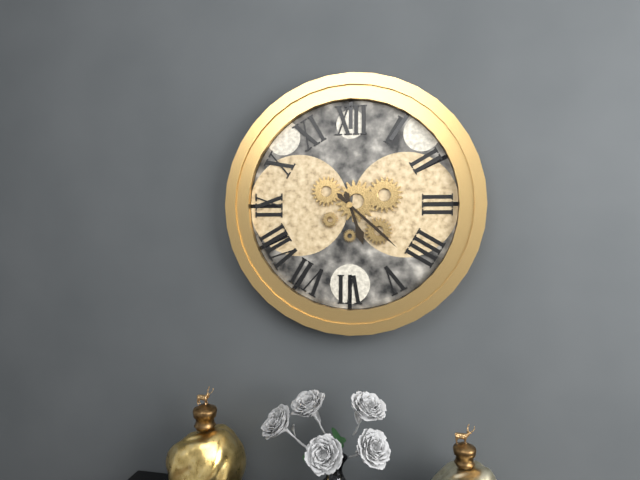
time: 5:22
